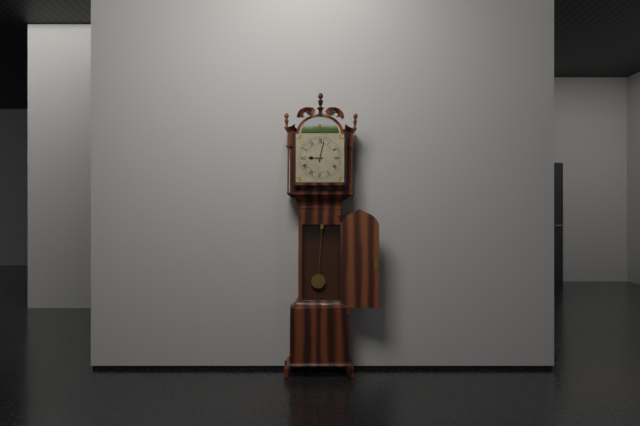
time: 9:02
